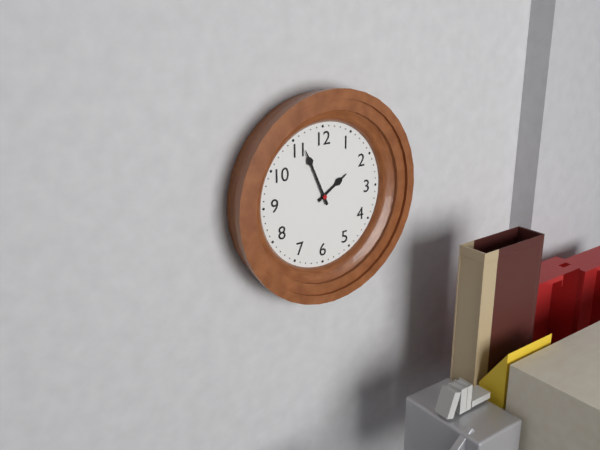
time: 1:56
